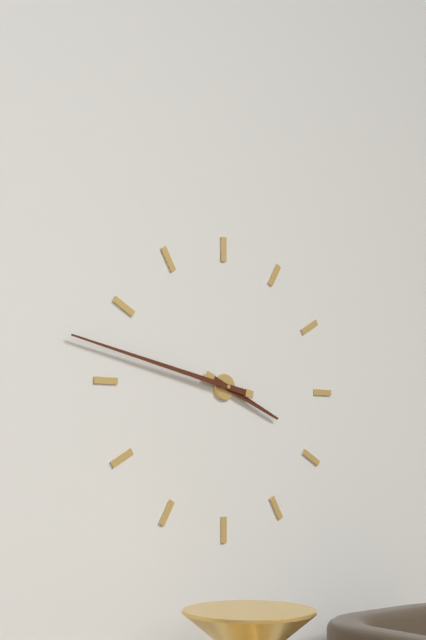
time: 3:47
